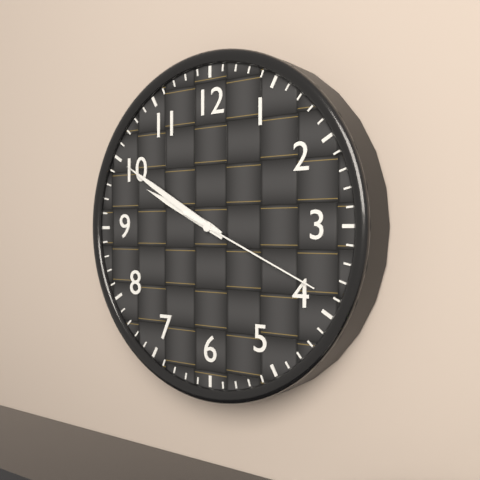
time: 9:50:19
